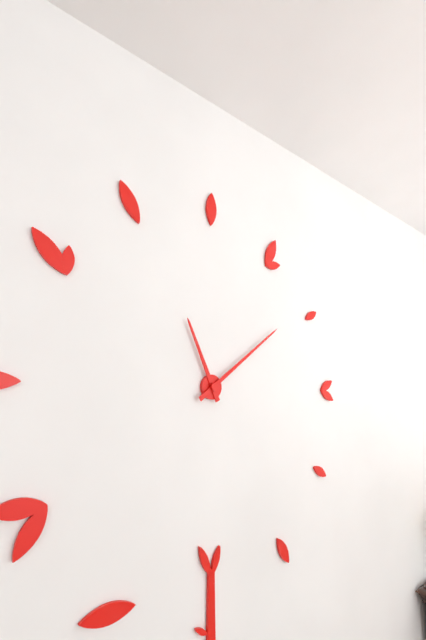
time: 11:09
